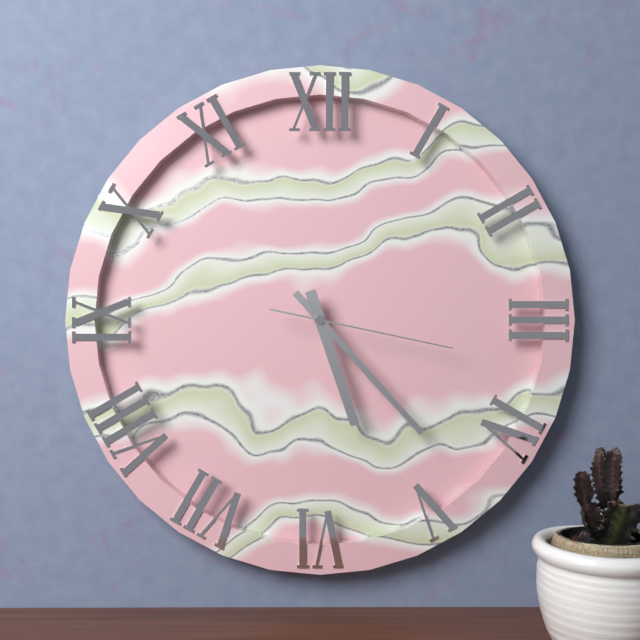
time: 5:23:17
